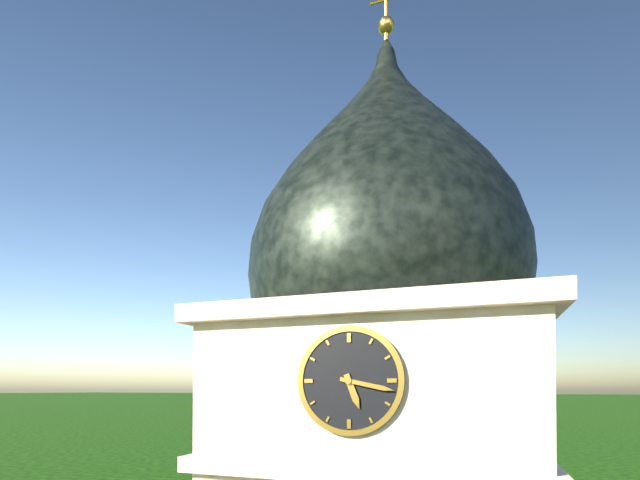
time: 5:17
